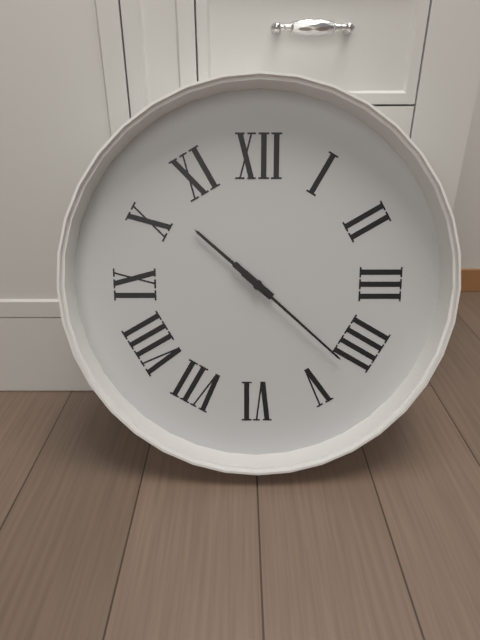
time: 10:22
